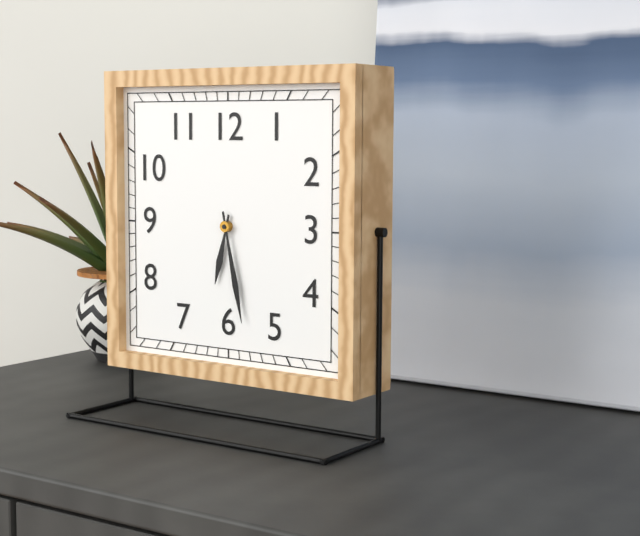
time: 6:28
